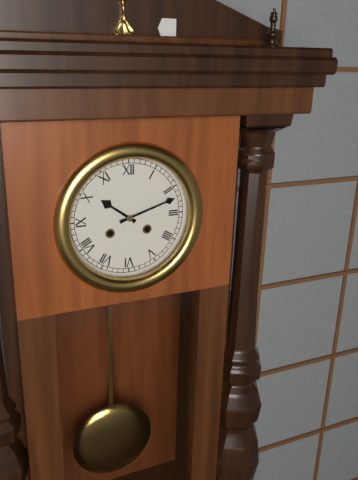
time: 10:12
